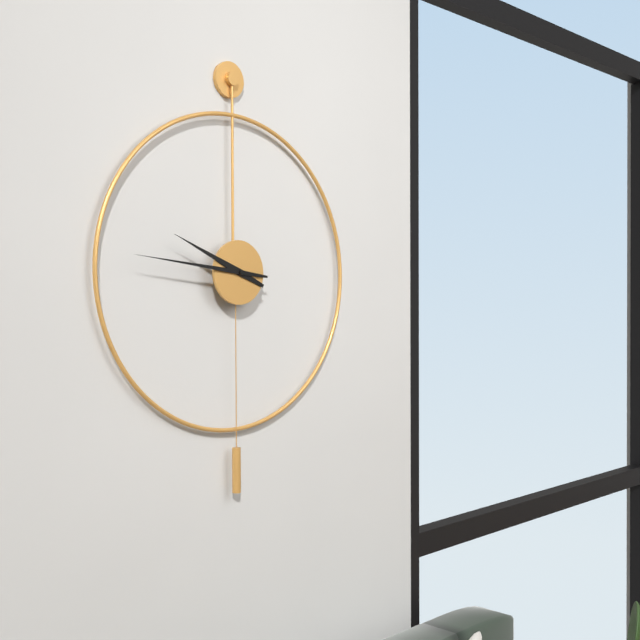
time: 9:46
